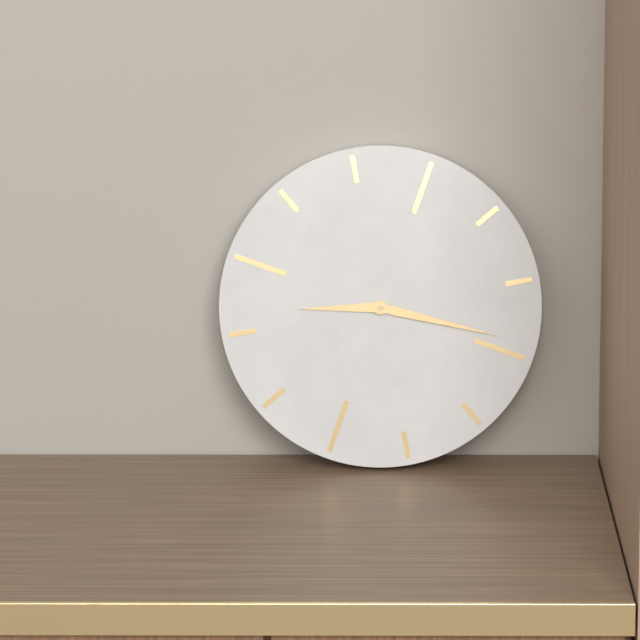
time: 9:19
